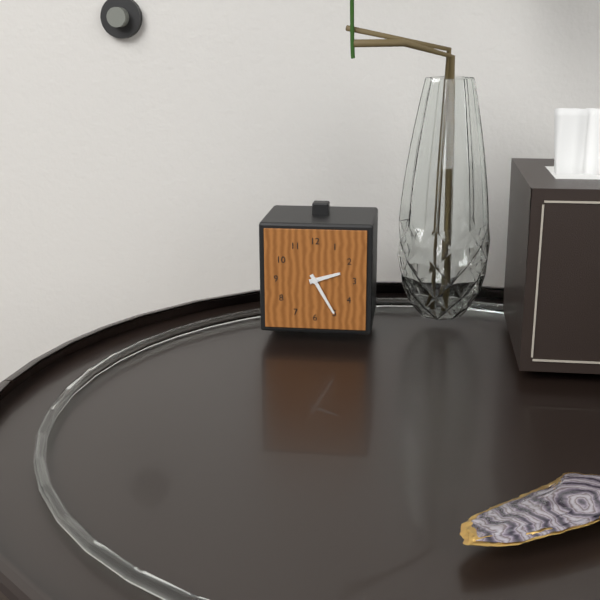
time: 2:25
